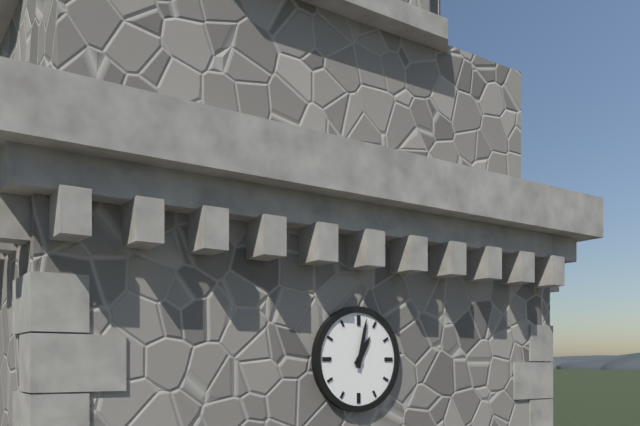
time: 1:02
